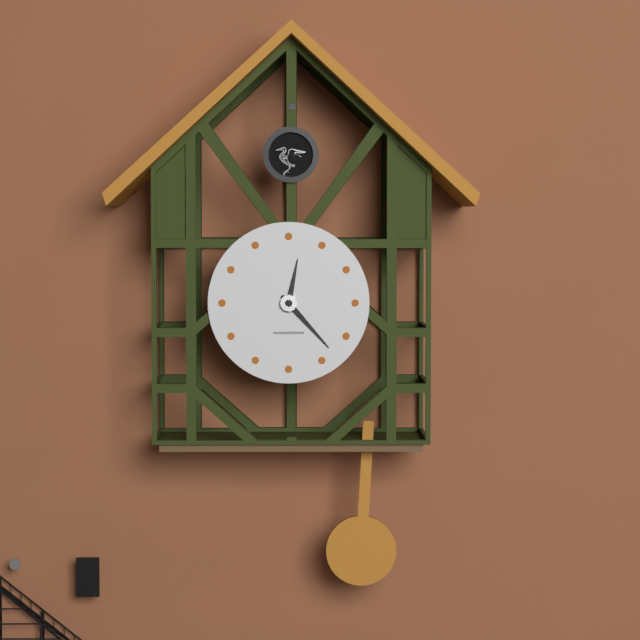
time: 12:23
